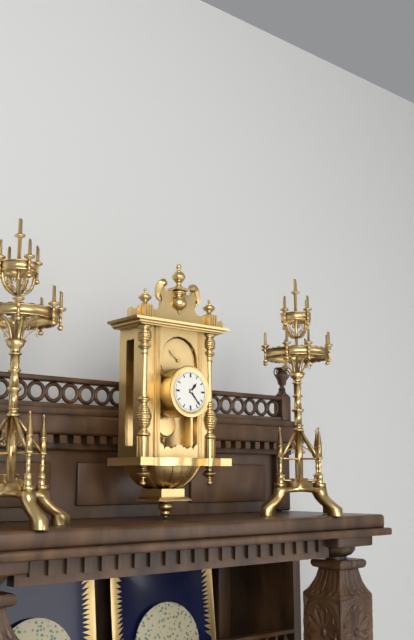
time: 1:23
